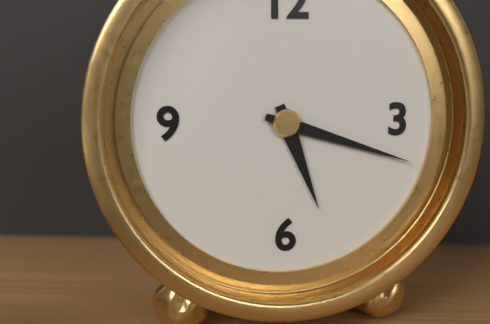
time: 5:18
